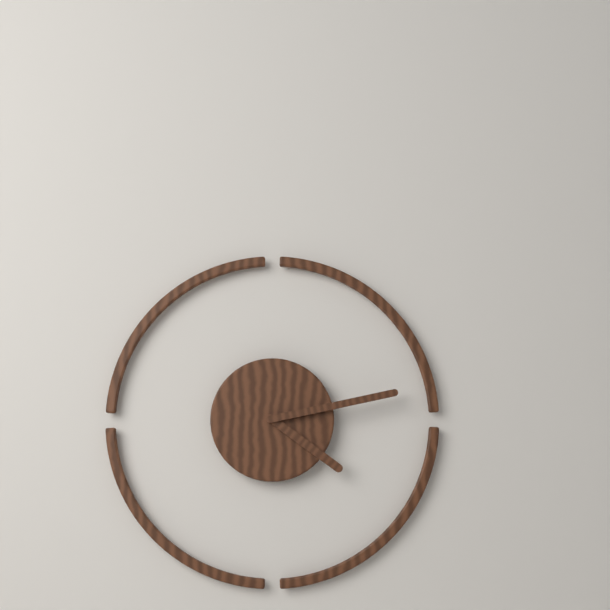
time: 4:13
